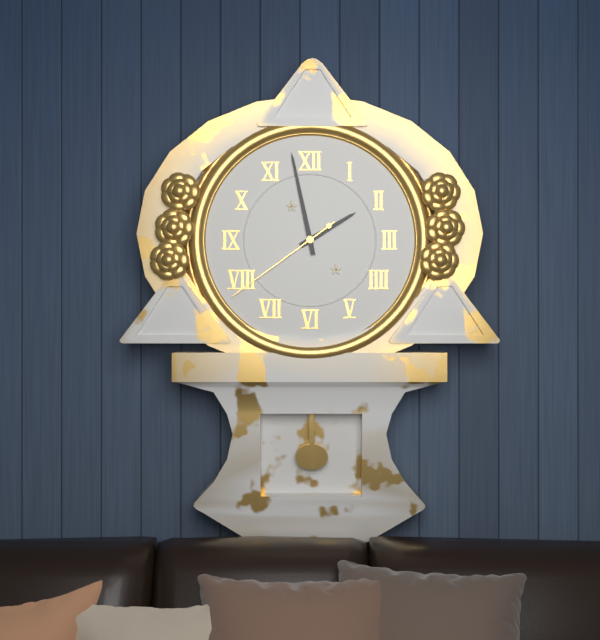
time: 1:58:39
